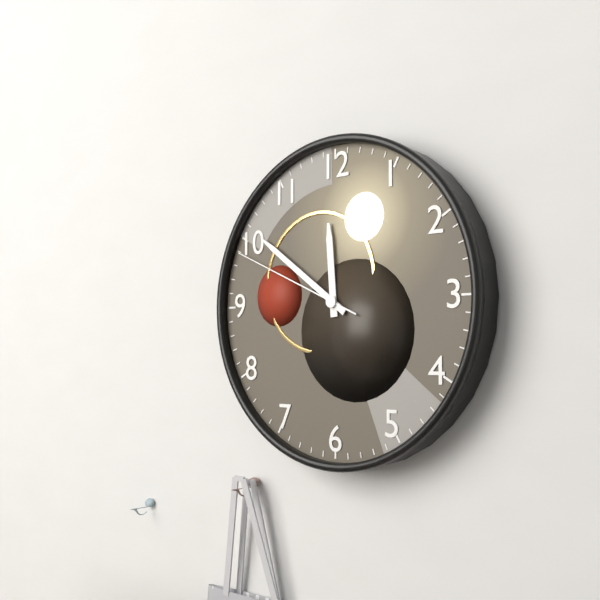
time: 11:51:49
